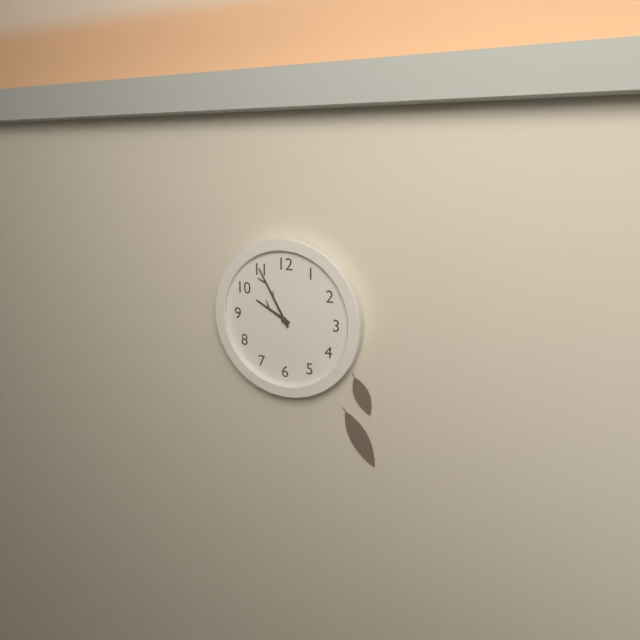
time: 9:55
